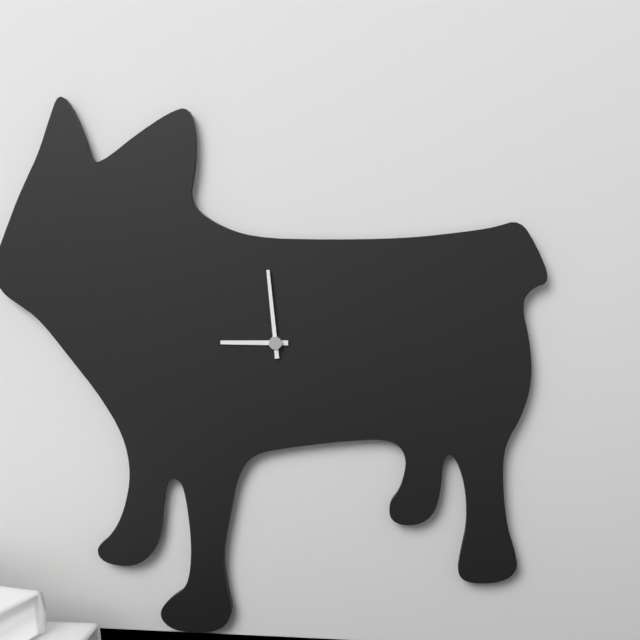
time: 8:59
